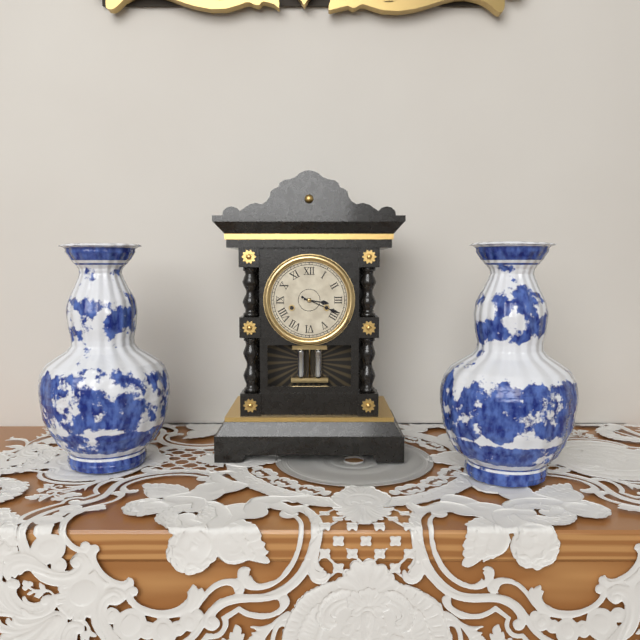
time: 3:19
